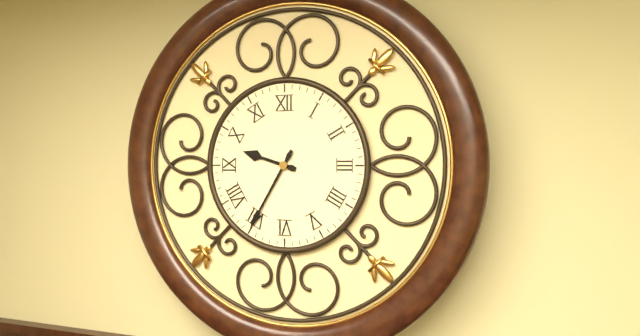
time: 9:35
